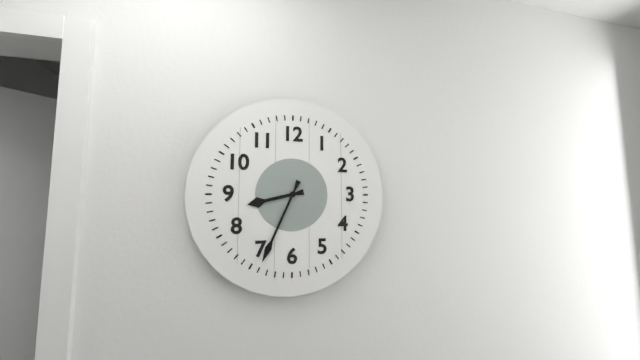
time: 8:34
